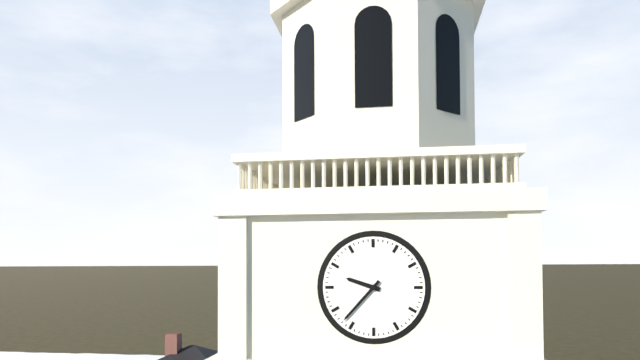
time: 9:37
